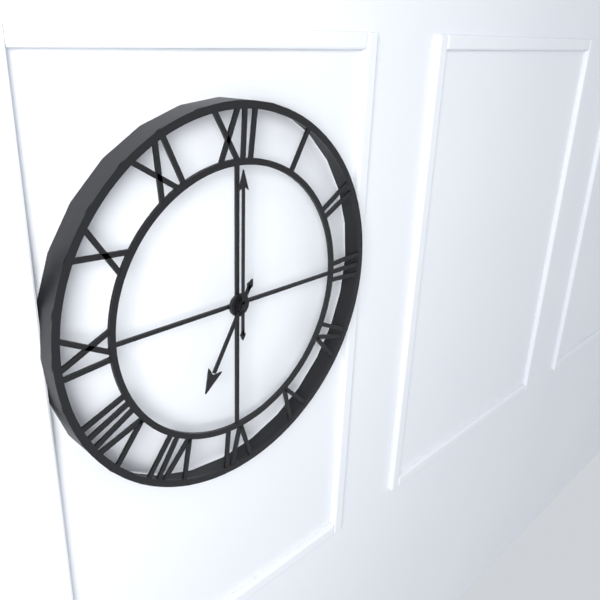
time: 7:00
